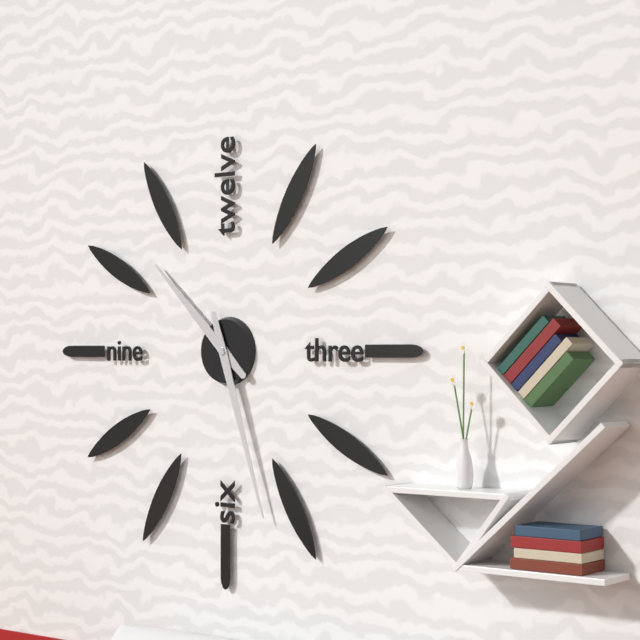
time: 10:27
